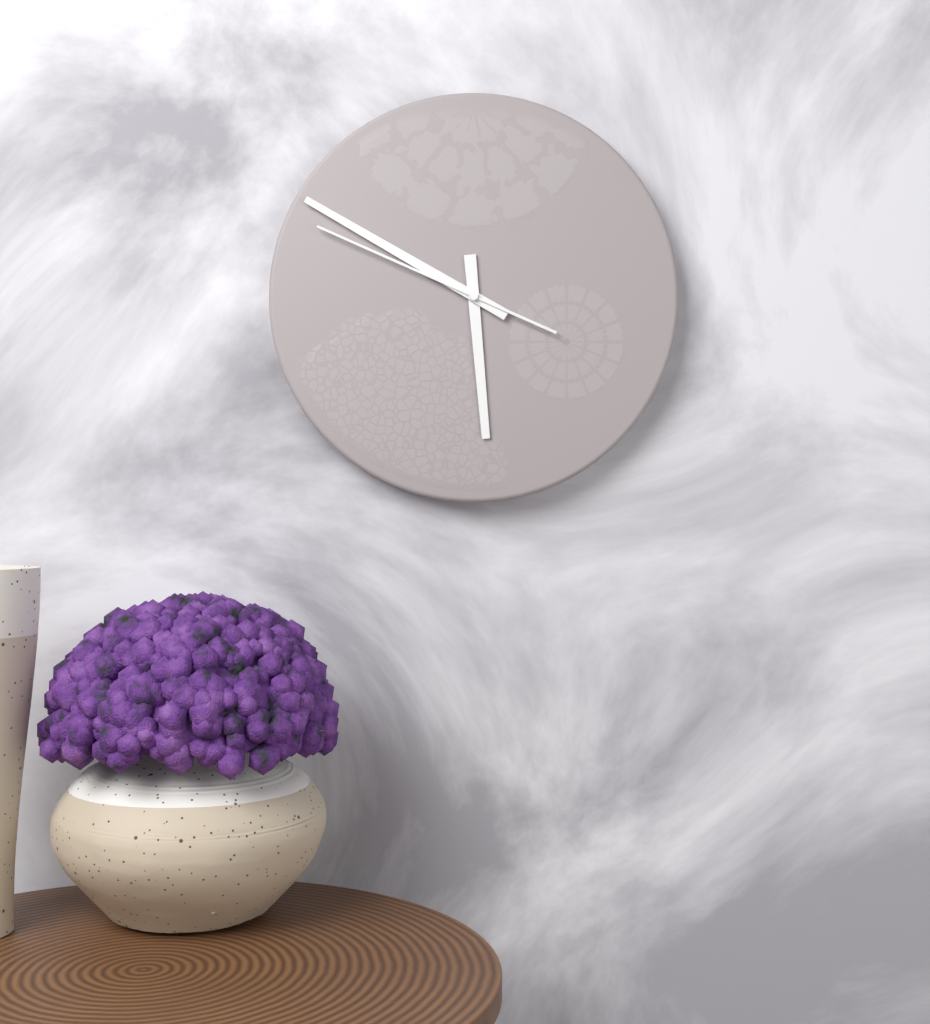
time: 5:50:49
